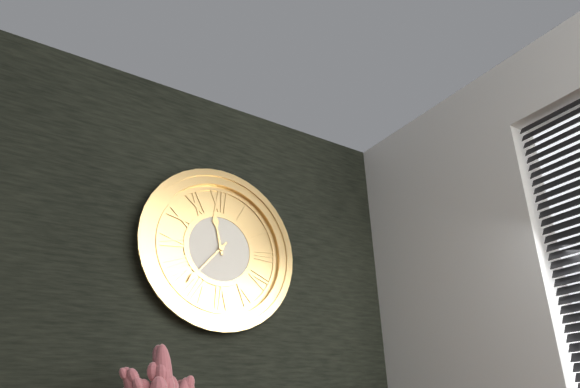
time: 11:37
